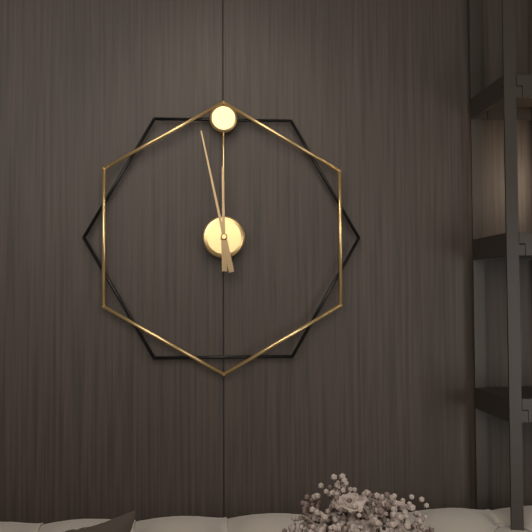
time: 11:58
